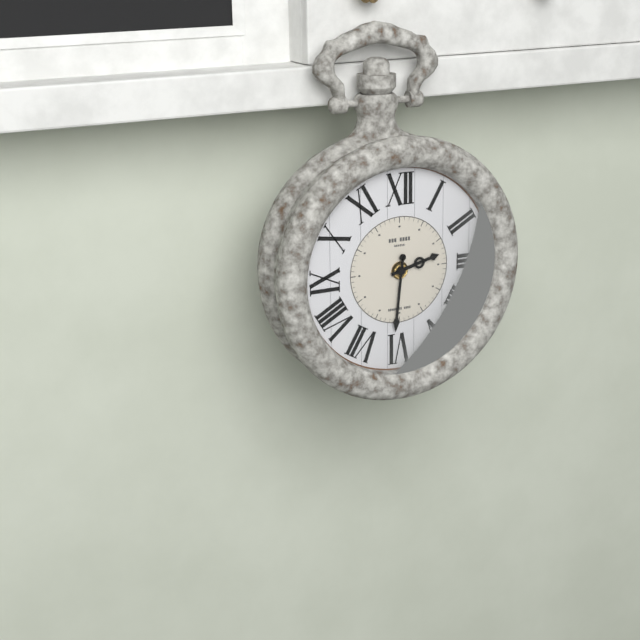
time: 2:31
